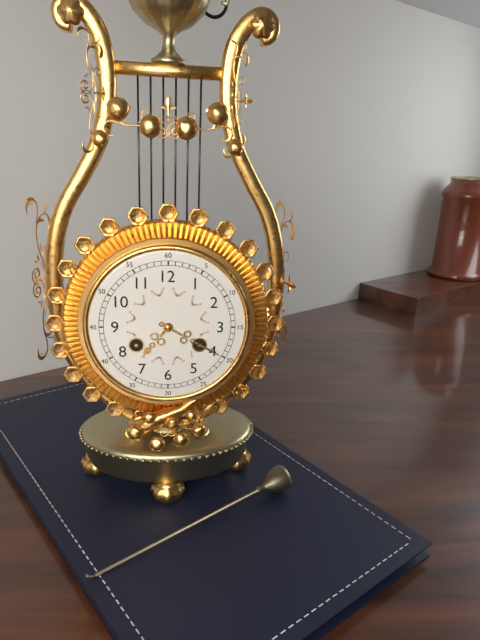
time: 7:20
